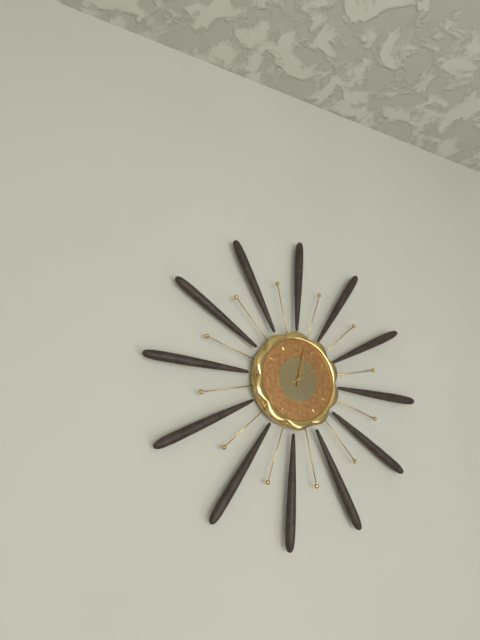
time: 2:02
